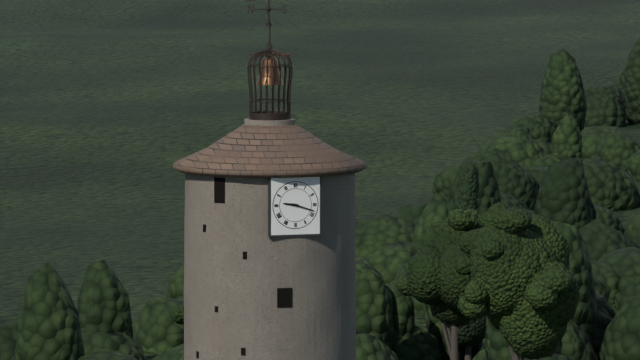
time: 9:18
